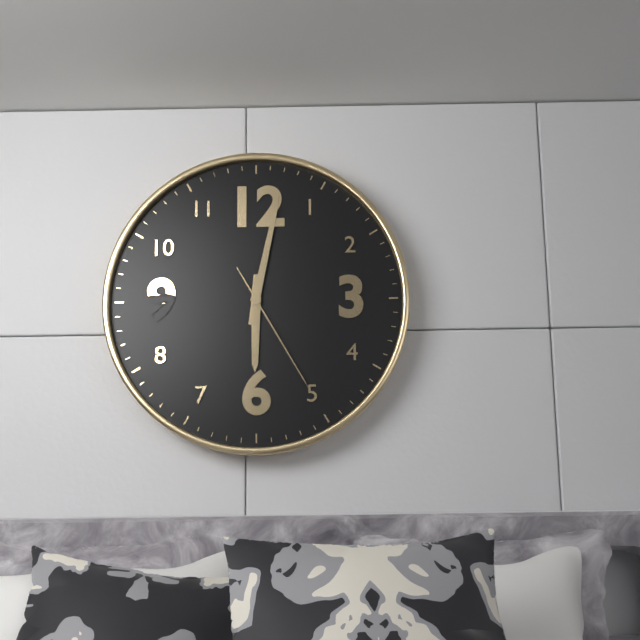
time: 6:02:25
